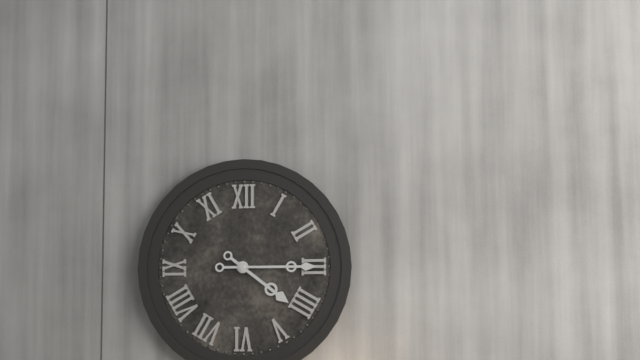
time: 4:15
